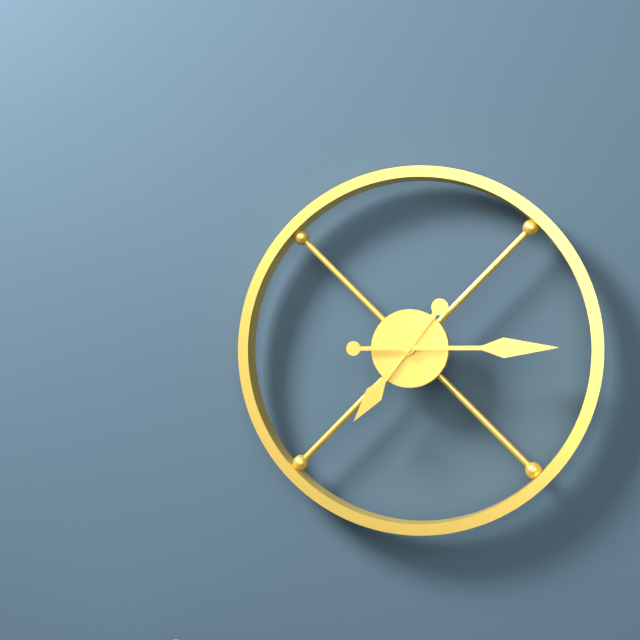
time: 7:15
